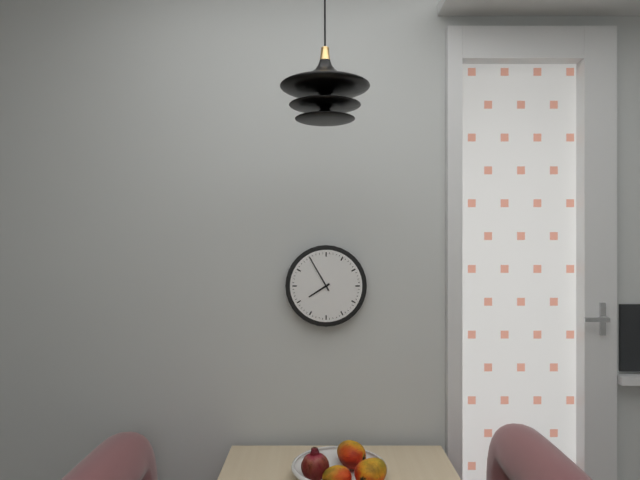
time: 7:55
